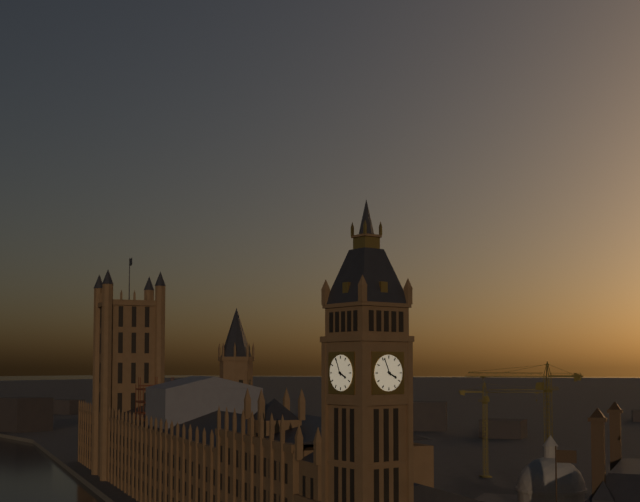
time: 3:56
